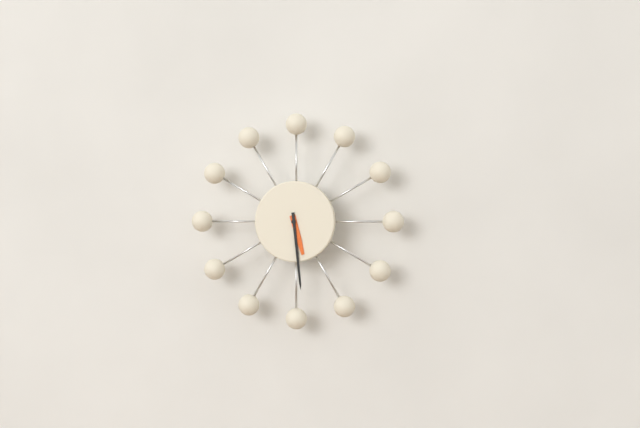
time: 5:29
